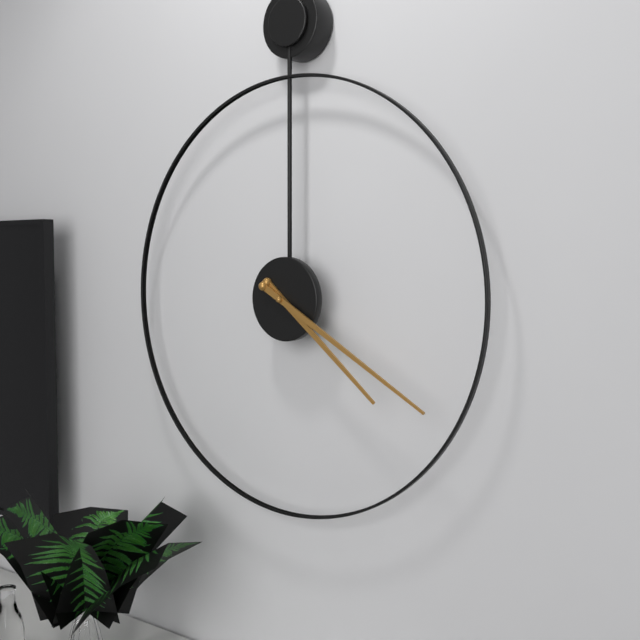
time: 4:20
